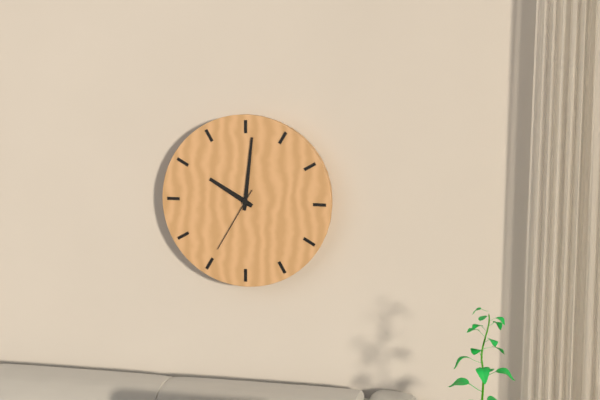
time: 10:01:35
